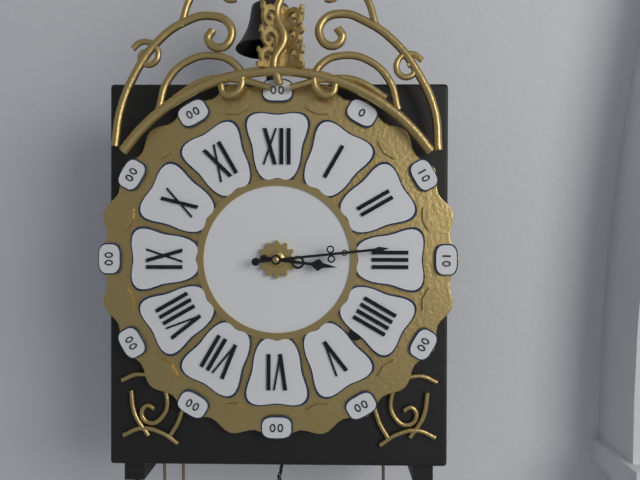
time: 3:14
